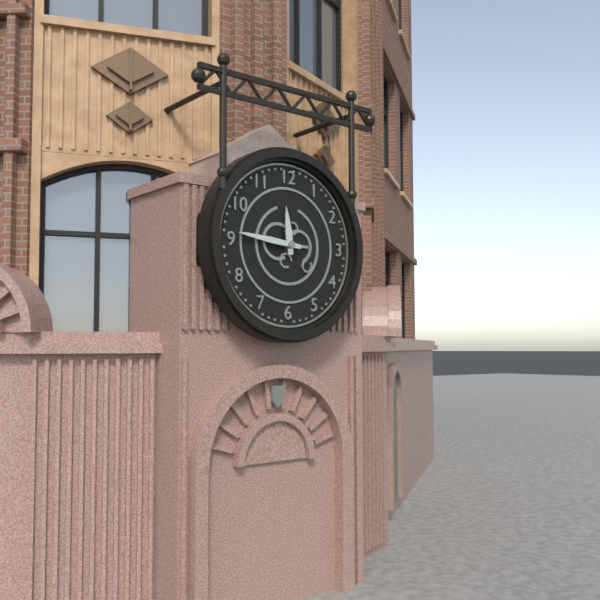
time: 11:46
